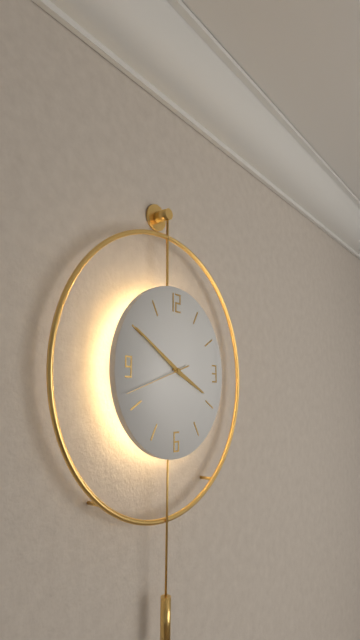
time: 3:50:42
